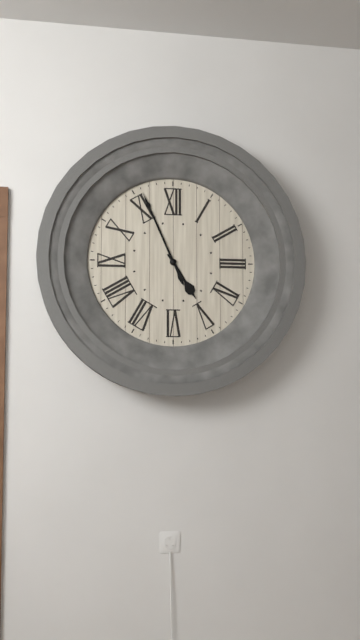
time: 4:56
